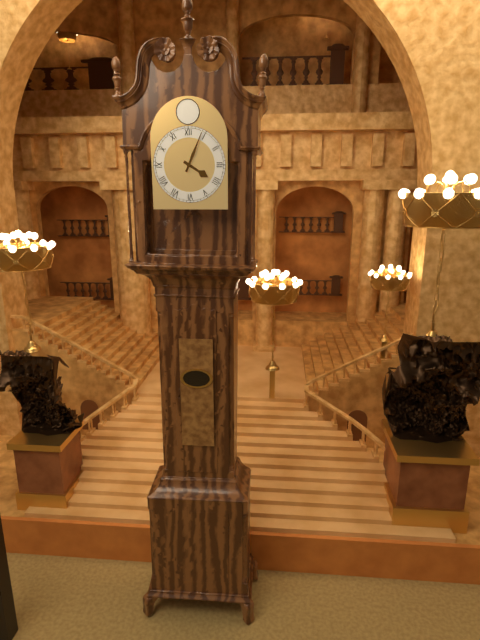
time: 4:04
